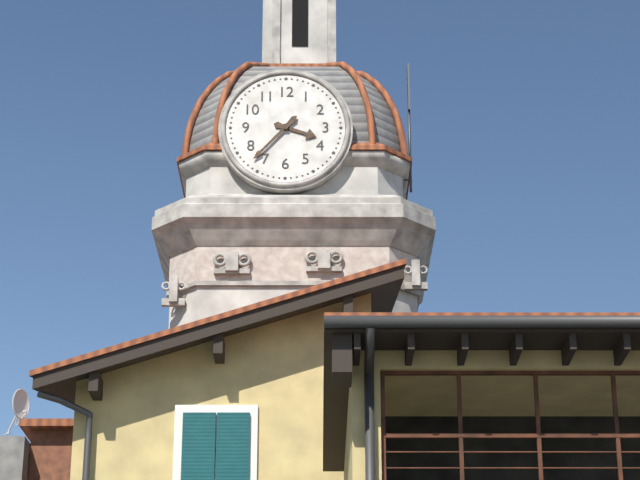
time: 3:37
